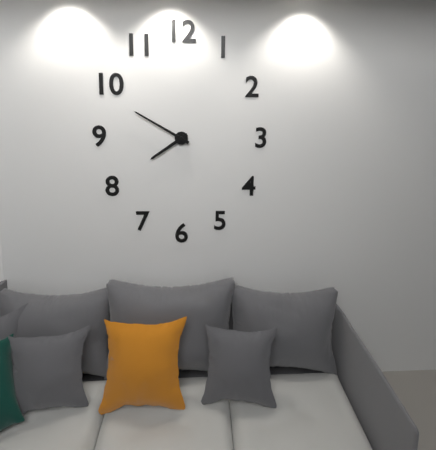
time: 7:50
